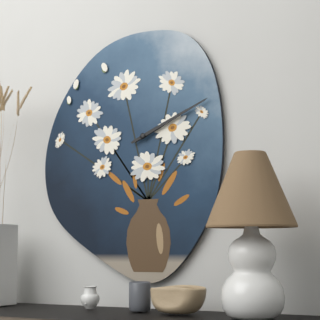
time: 2:11
